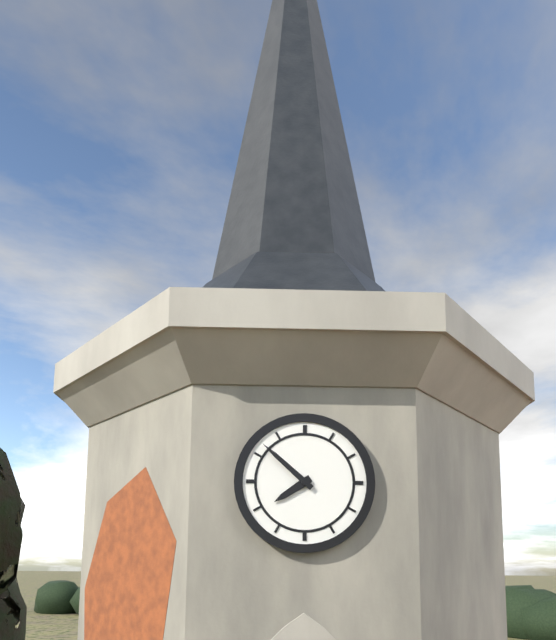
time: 7:52
